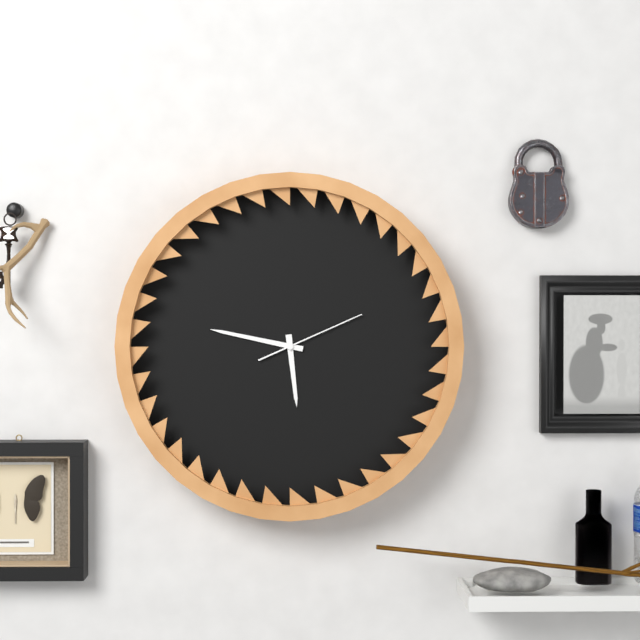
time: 5:47:11
